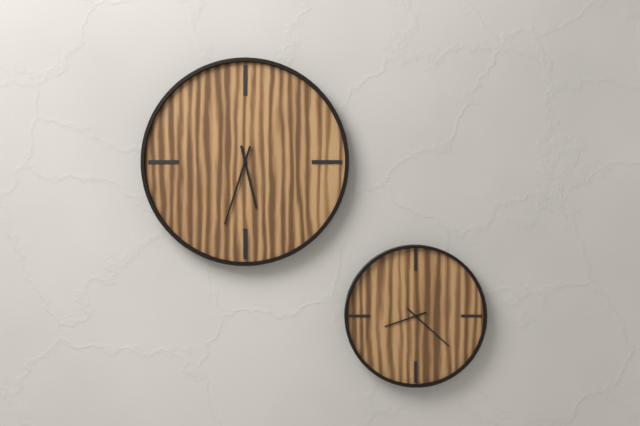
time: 5:33
